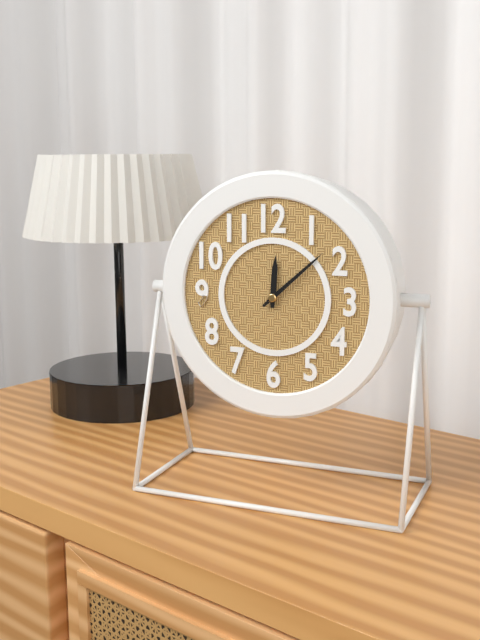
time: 12:08
